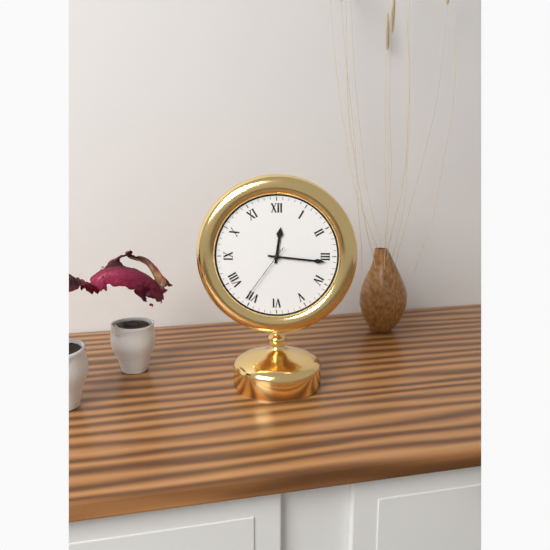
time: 12:16:36
